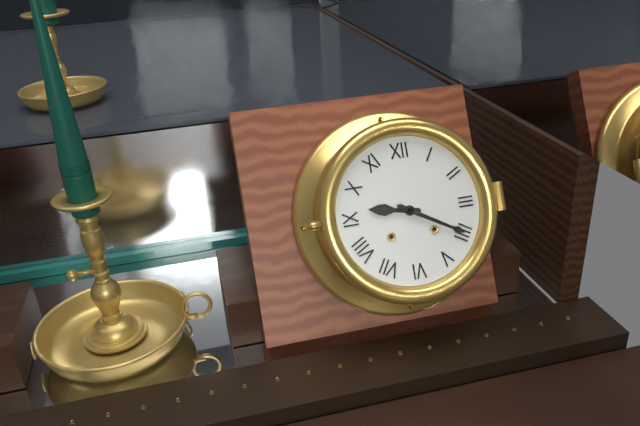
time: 9:20
